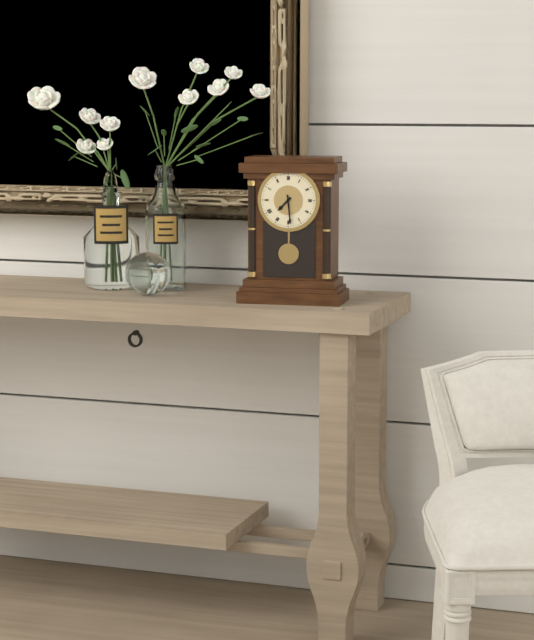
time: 7:29
